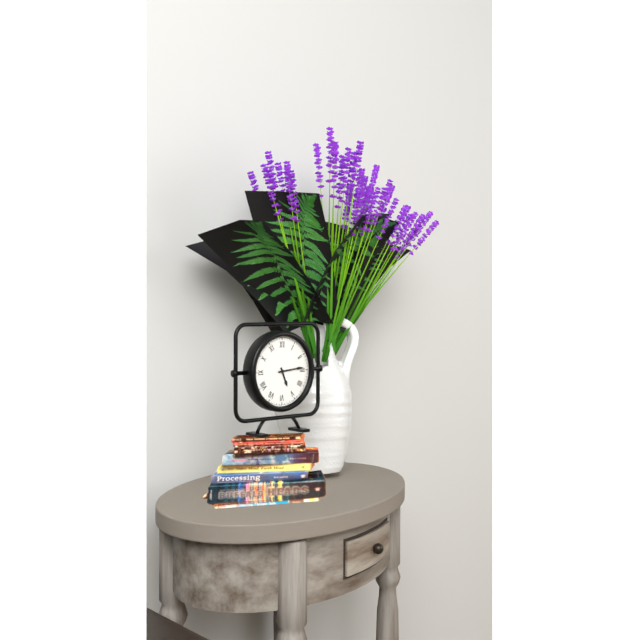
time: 5:14
